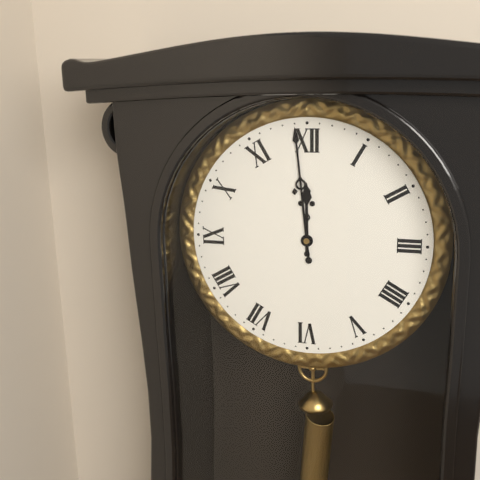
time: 11:59
